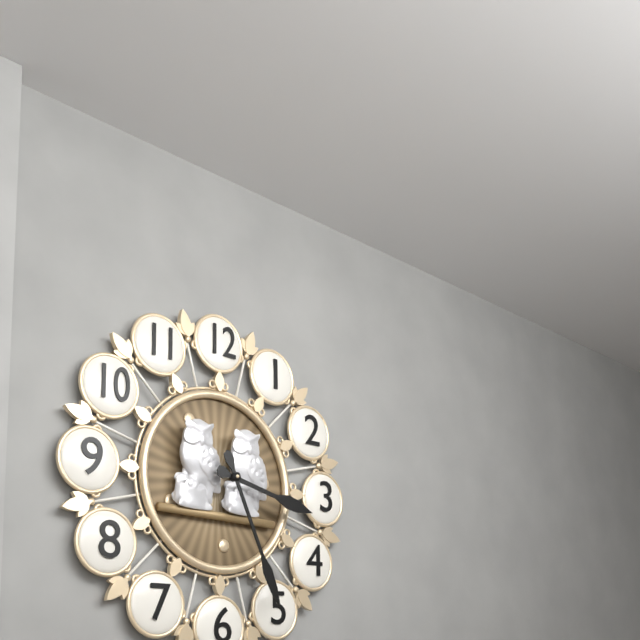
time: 3:26
